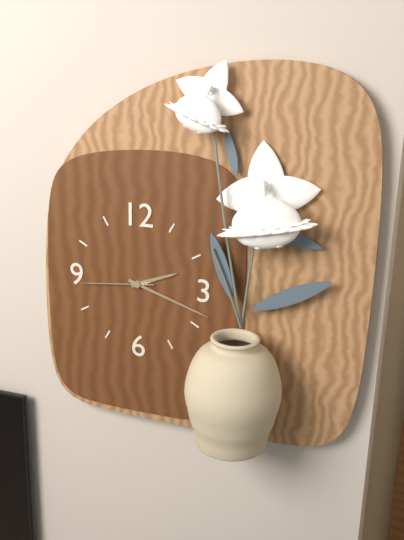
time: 2:18:44
